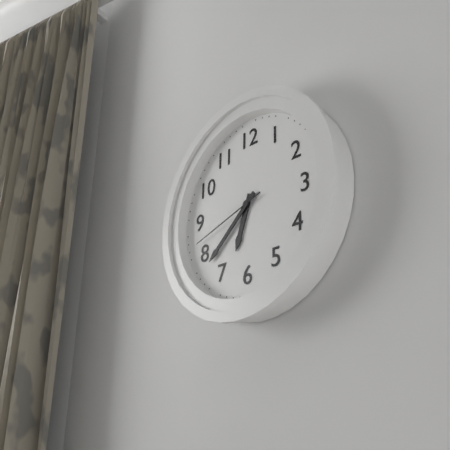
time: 6:38:42
